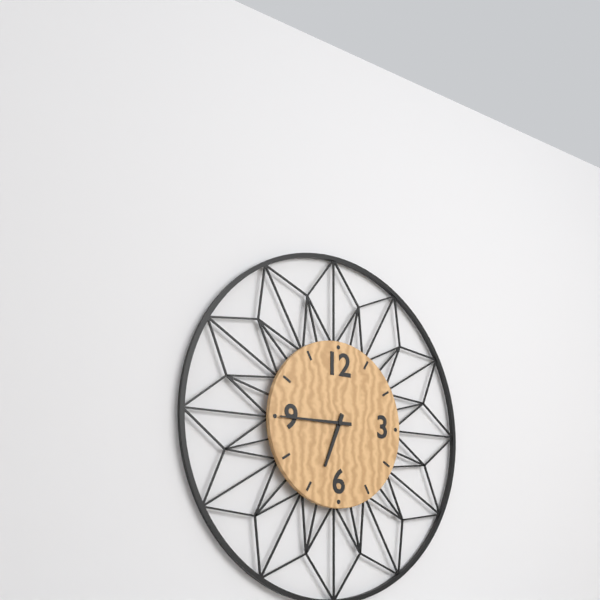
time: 6:45
